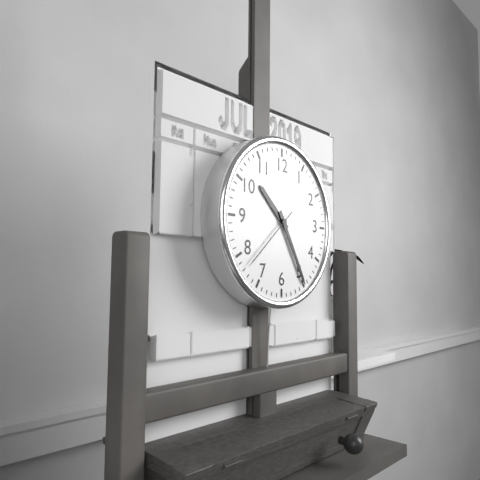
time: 10:25:38
